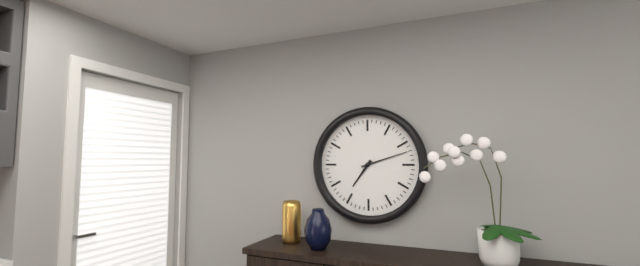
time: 7:12
